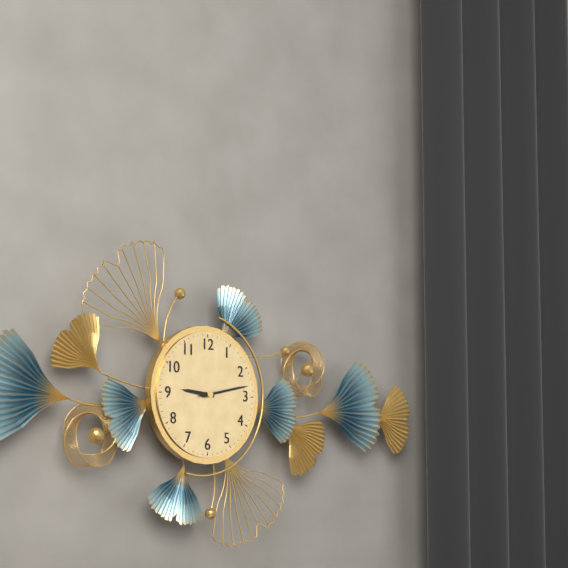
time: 9:13
